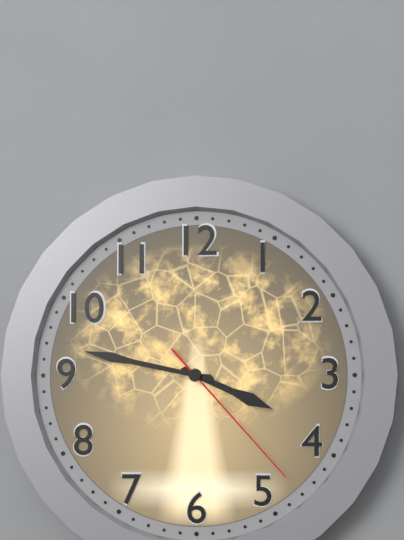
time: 3:47:23
